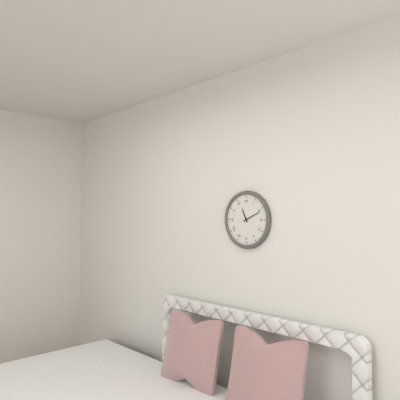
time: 11:11
